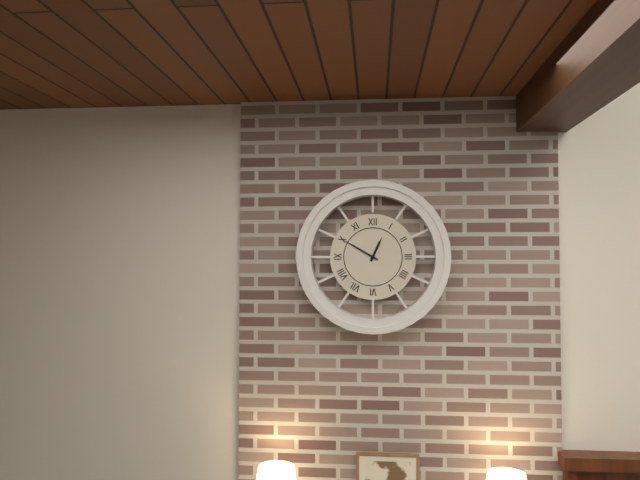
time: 12:50
